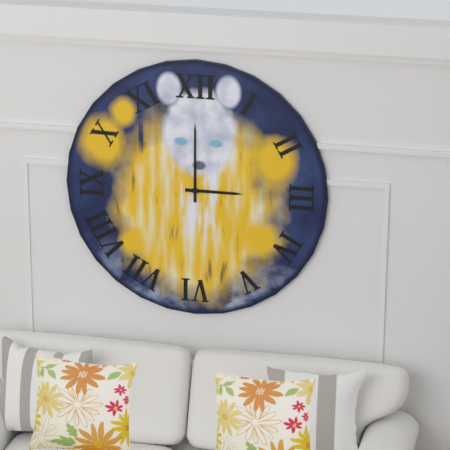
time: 3:00
